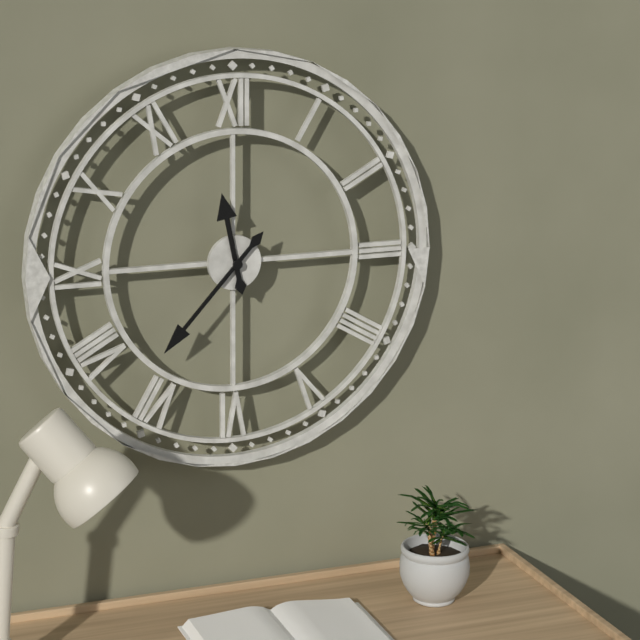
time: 11:37
